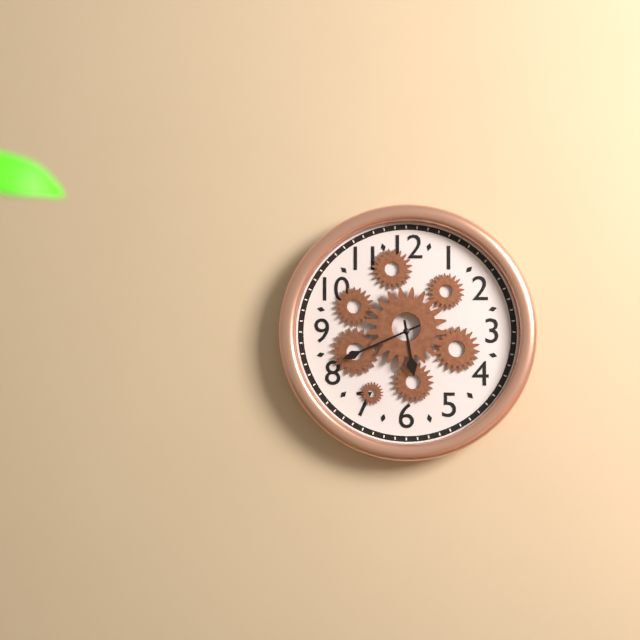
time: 5:41
